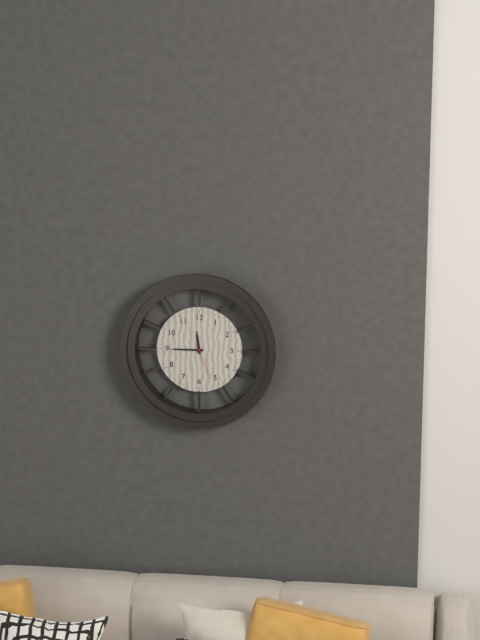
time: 11:45
